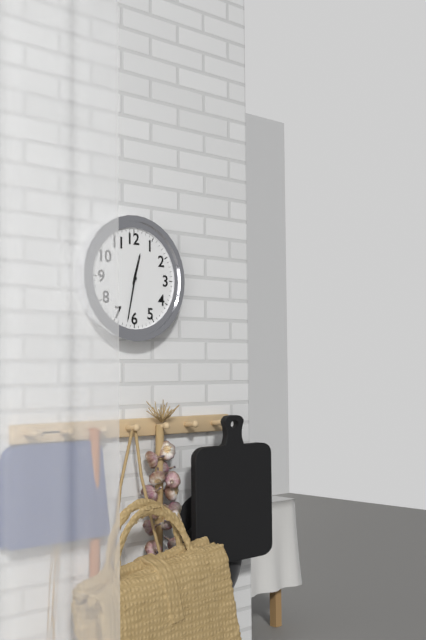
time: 12:32
